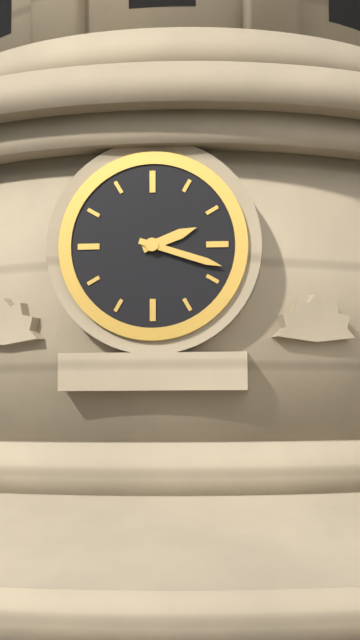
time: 2:18
